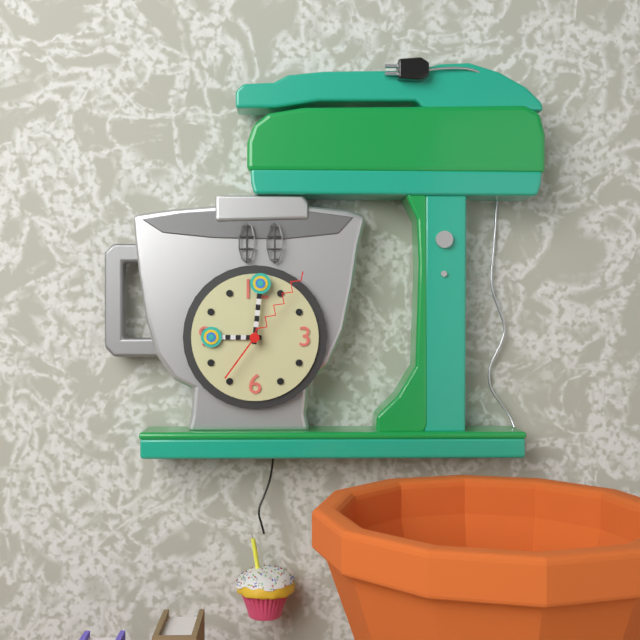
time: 9:01:06
